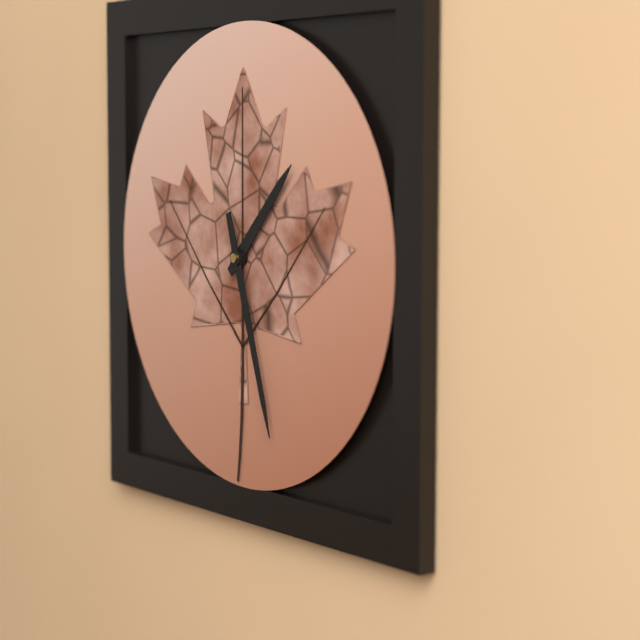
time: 1:27
